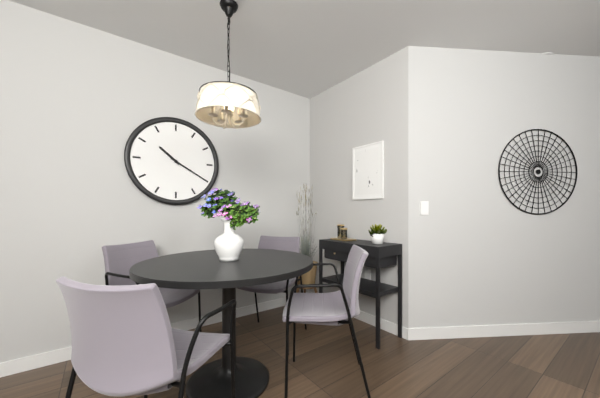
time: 10:20
